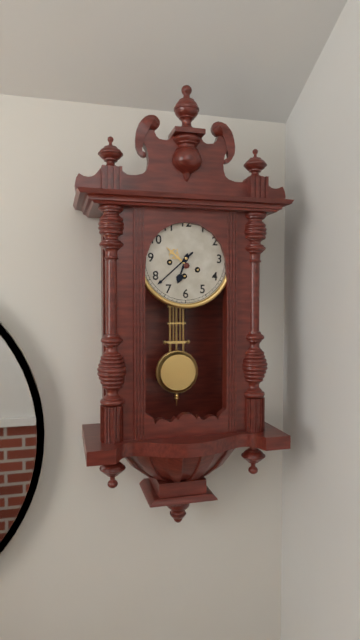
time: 6:38
